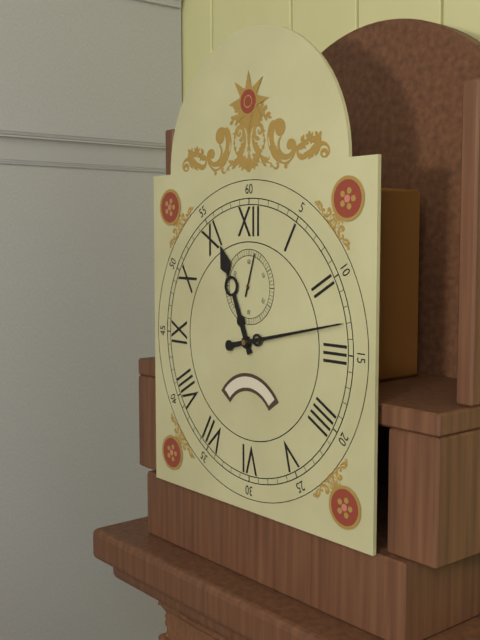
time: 11:13
